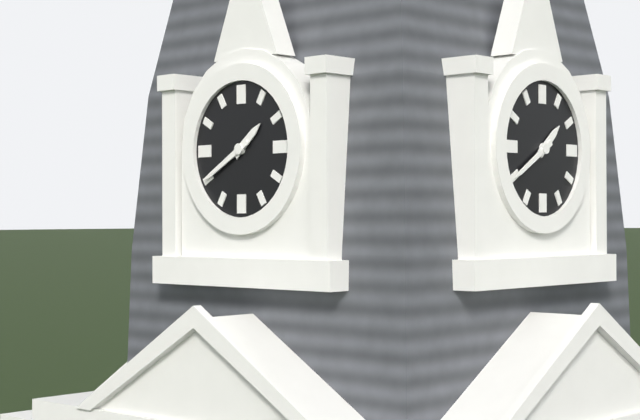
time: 1:40
